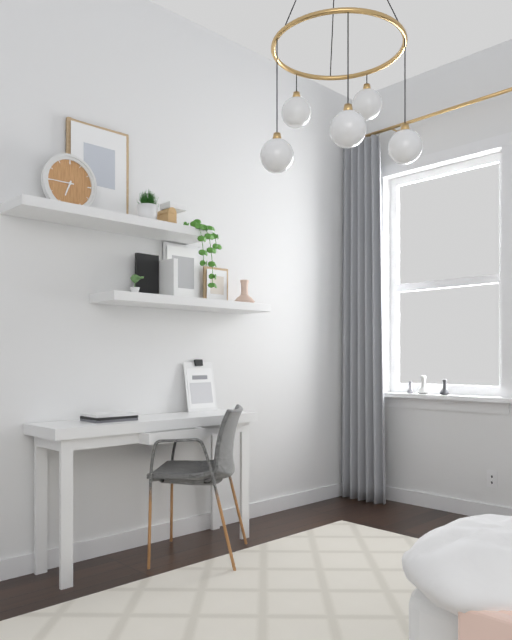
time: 6:45
